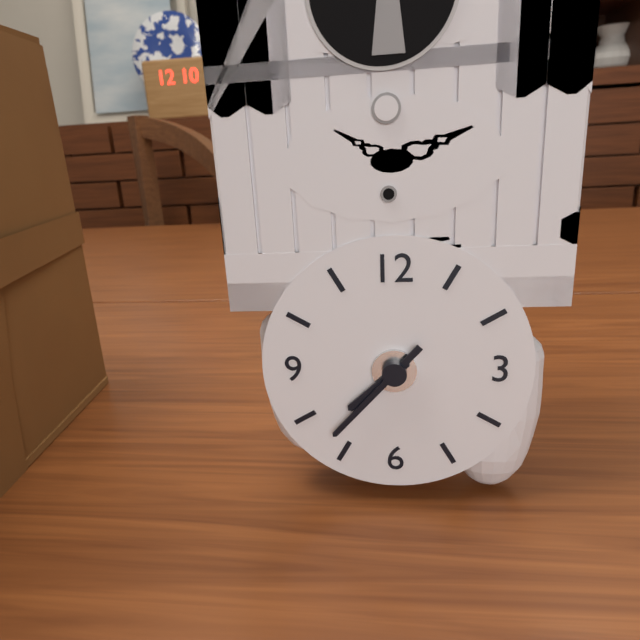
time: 7:37
